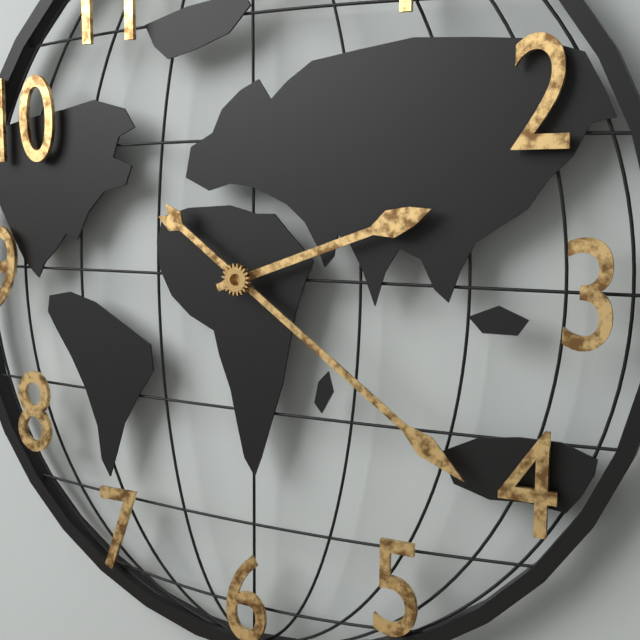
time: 2:21
